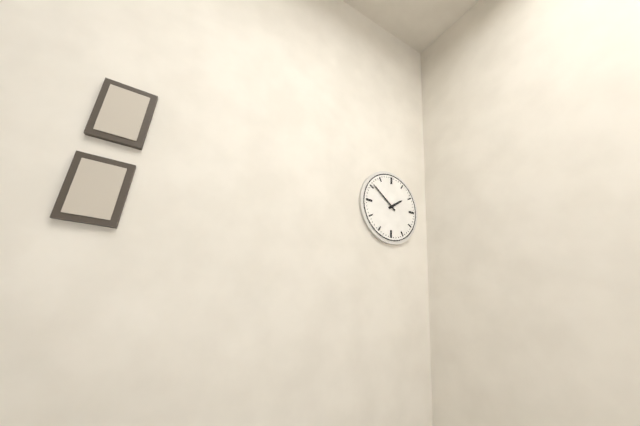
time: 1:51
